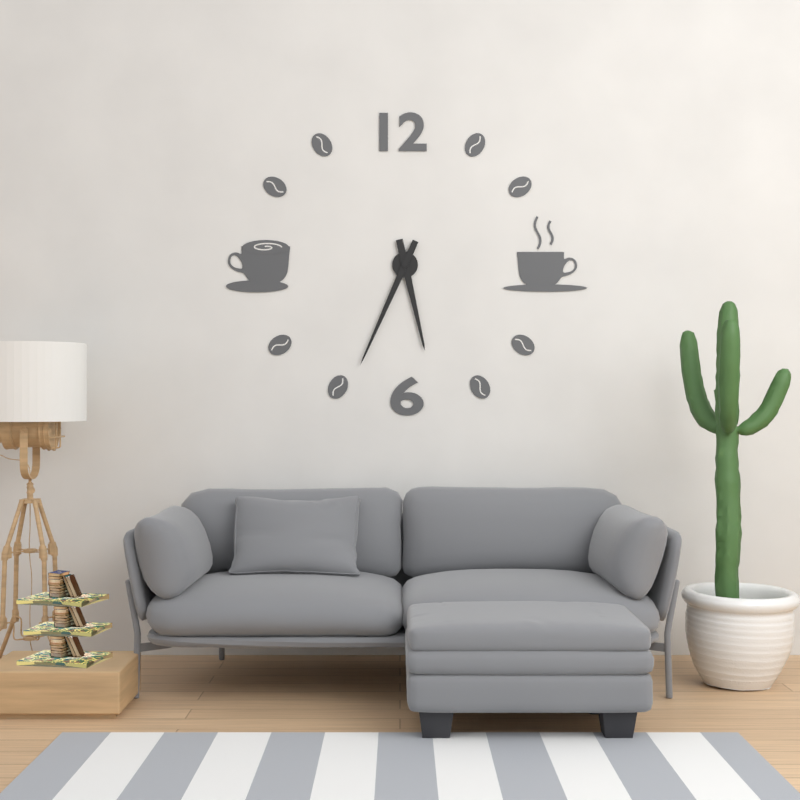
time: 5:34
